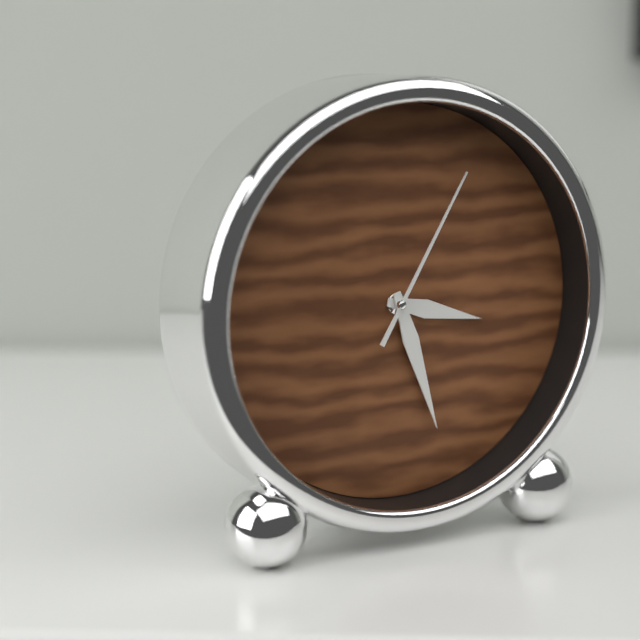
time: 3:27:05
